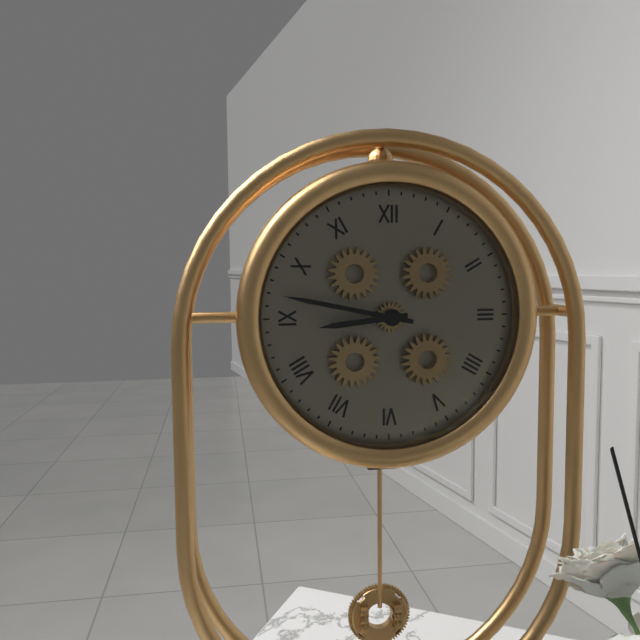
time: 8:47
